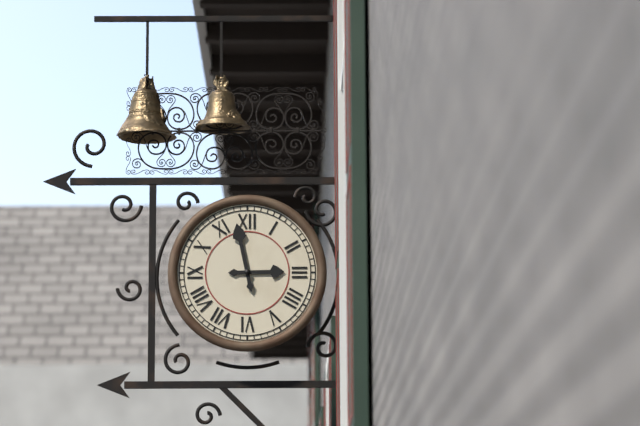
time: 2:58
